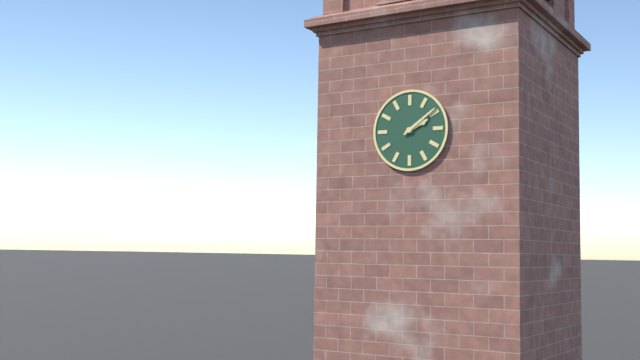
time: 2:09
